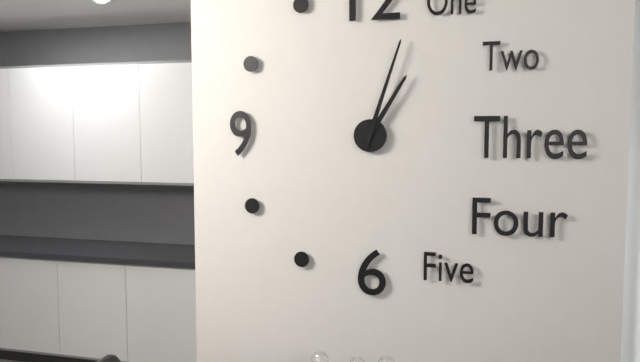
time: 1:03
